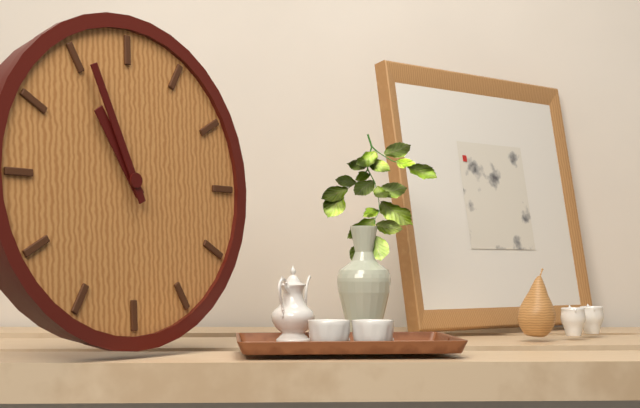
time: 10:56
